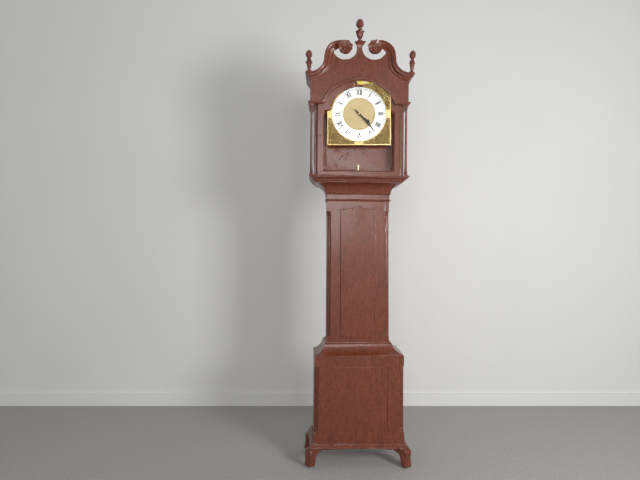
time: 4:23
